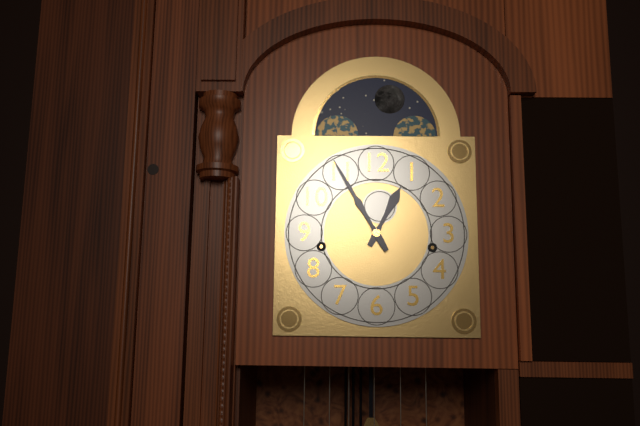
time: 12:55
